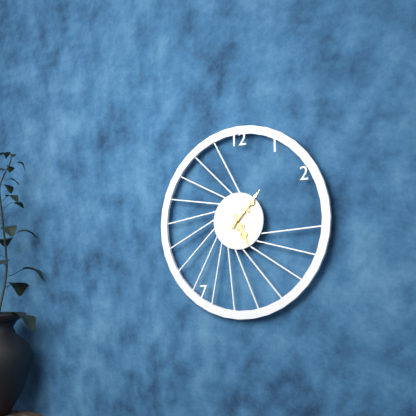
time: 5:07
